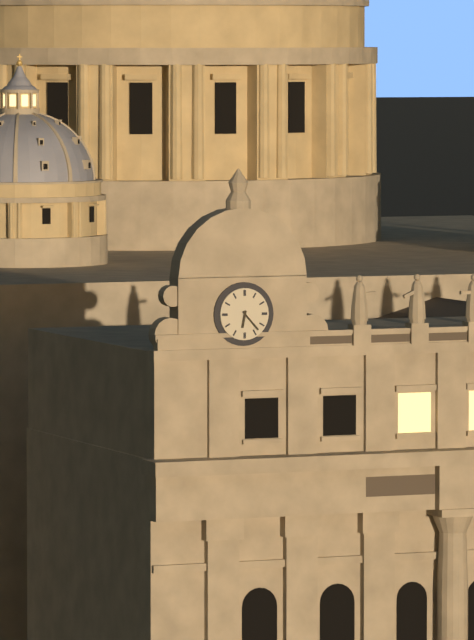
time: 6:23
